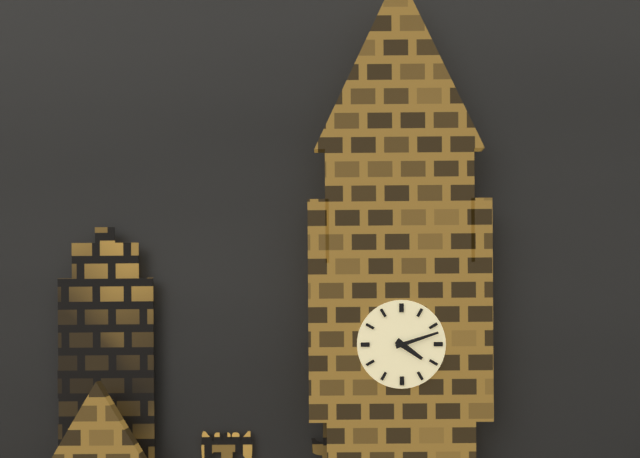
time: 4:12
